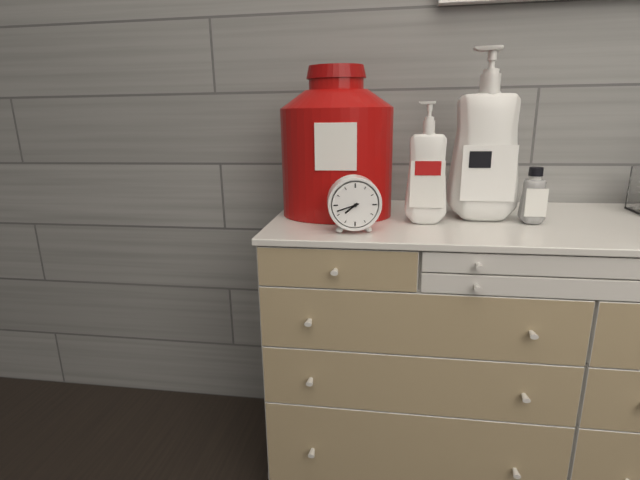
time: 7:42
